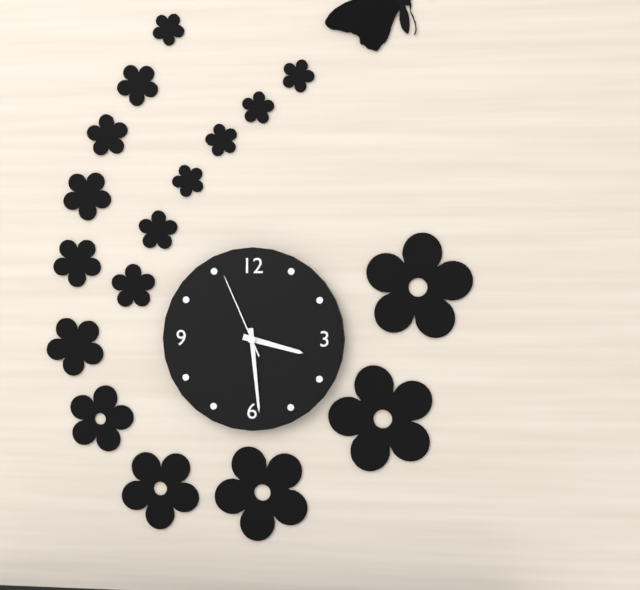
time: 3:29:56
